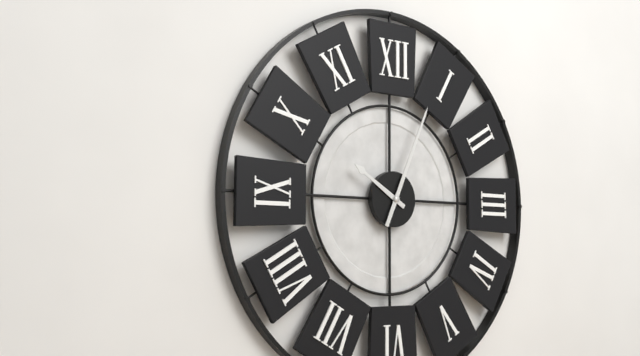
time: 10:04
